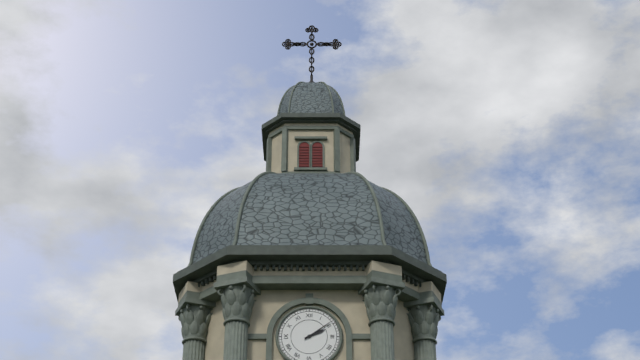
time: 2:09
